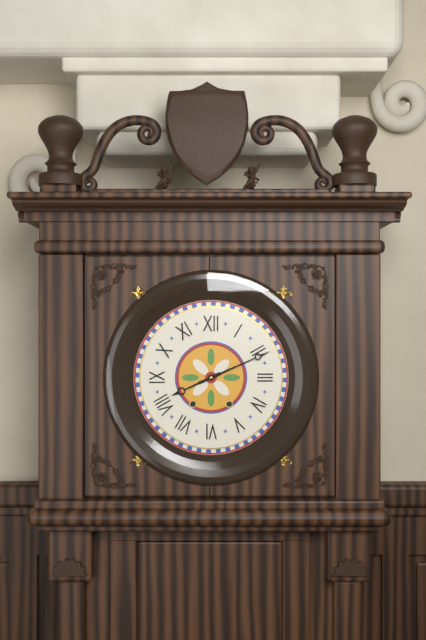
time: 8:11
